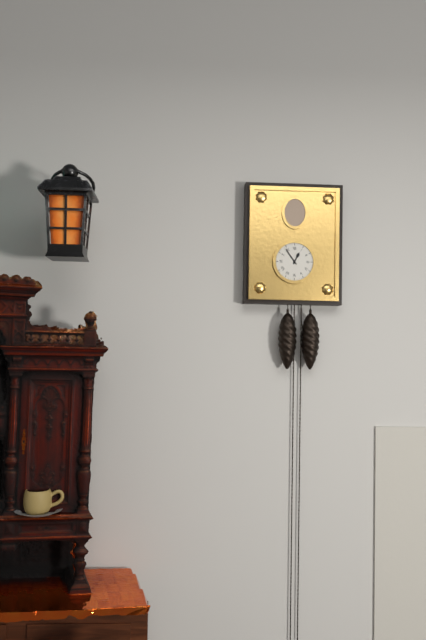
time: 12:54
